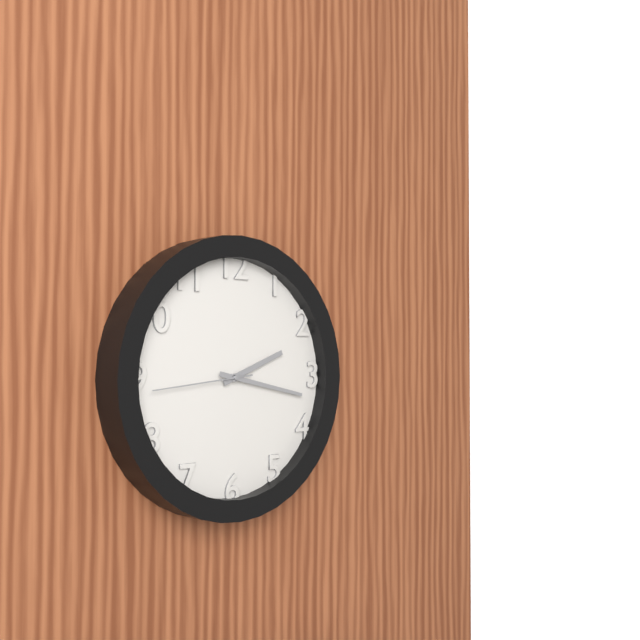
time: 2:17:44
